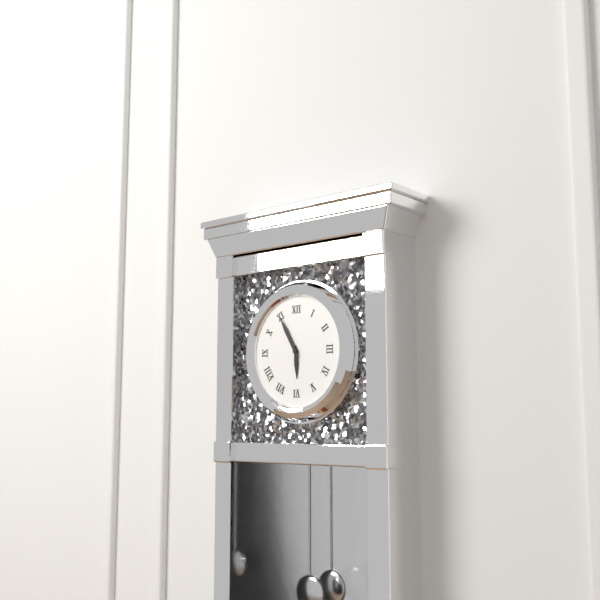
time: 5:55
